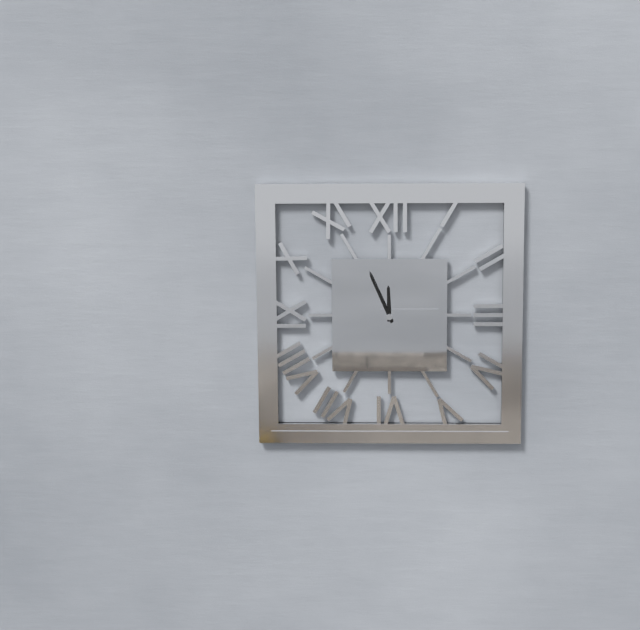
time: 11:56
